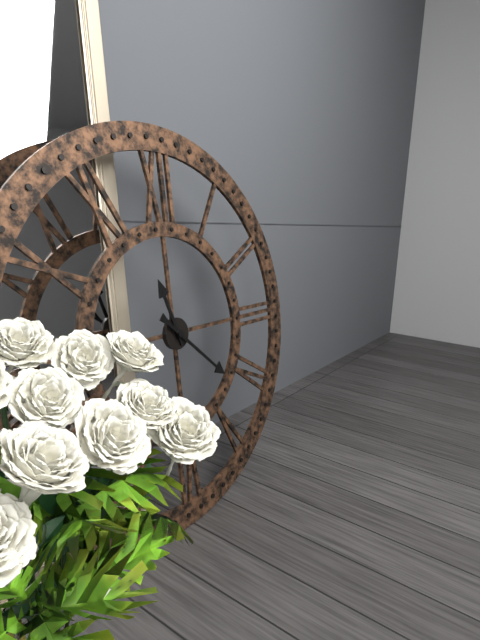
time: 11:22
